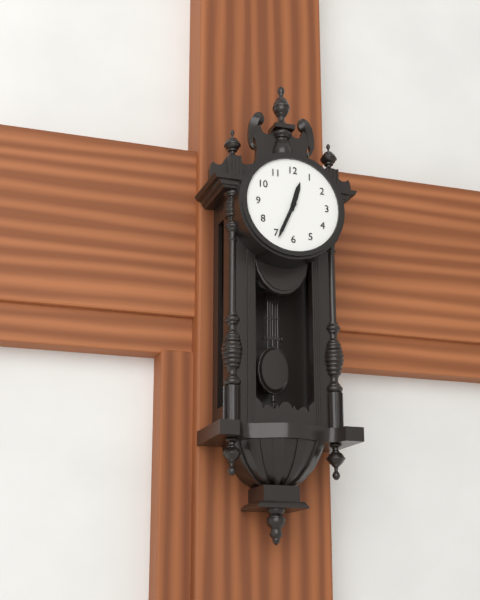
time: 12:34
